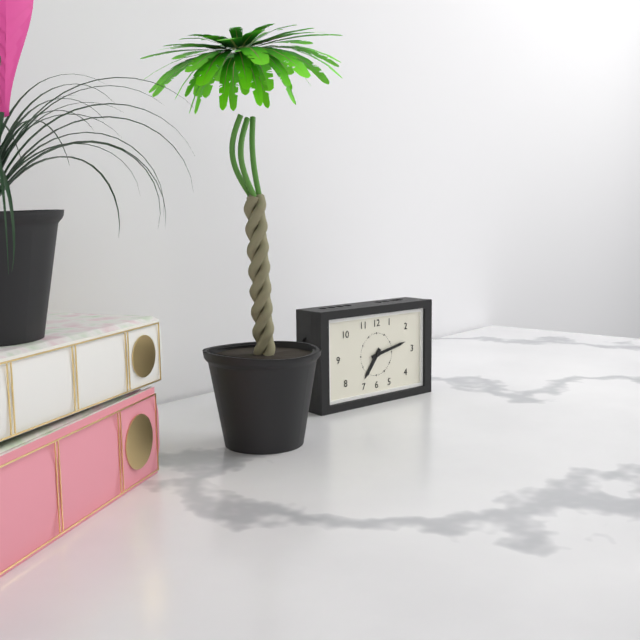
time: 7:13
